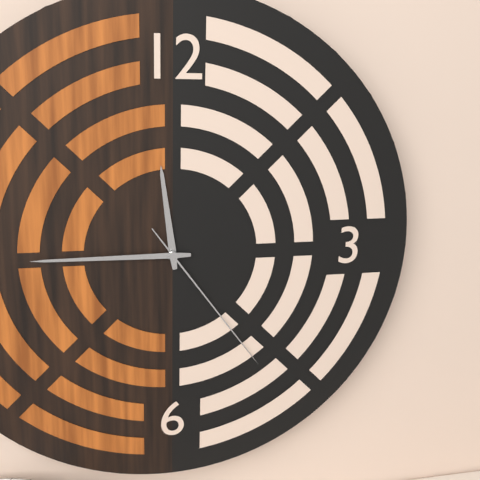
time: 11:45:24
